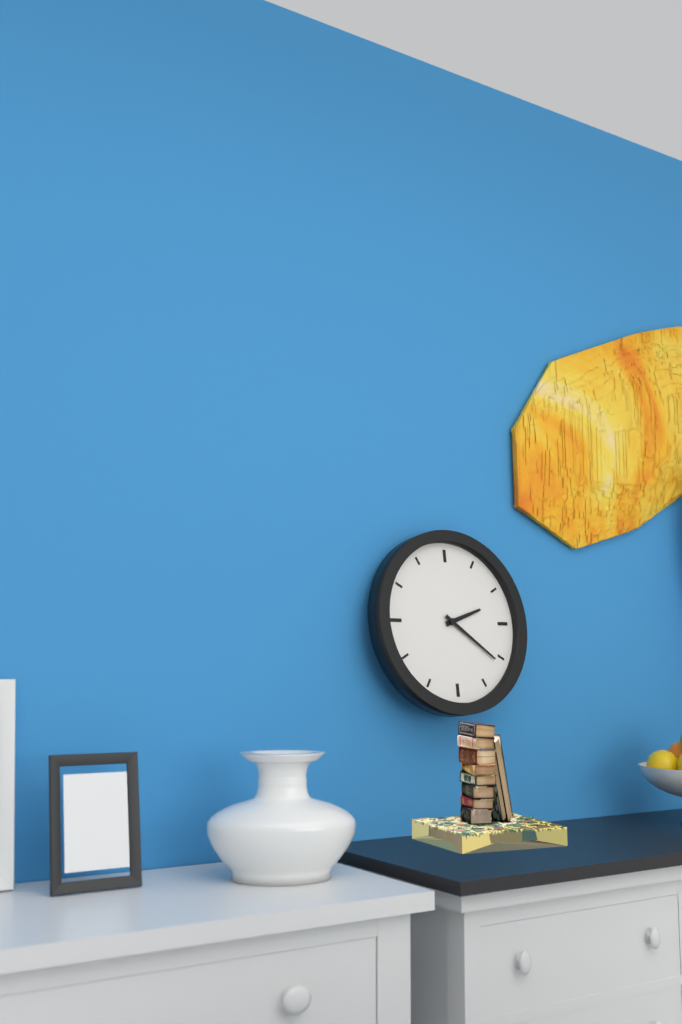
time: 2:21
